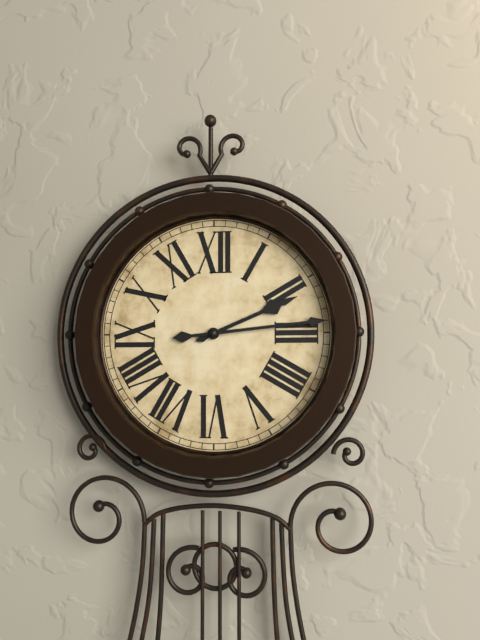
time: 2:14
